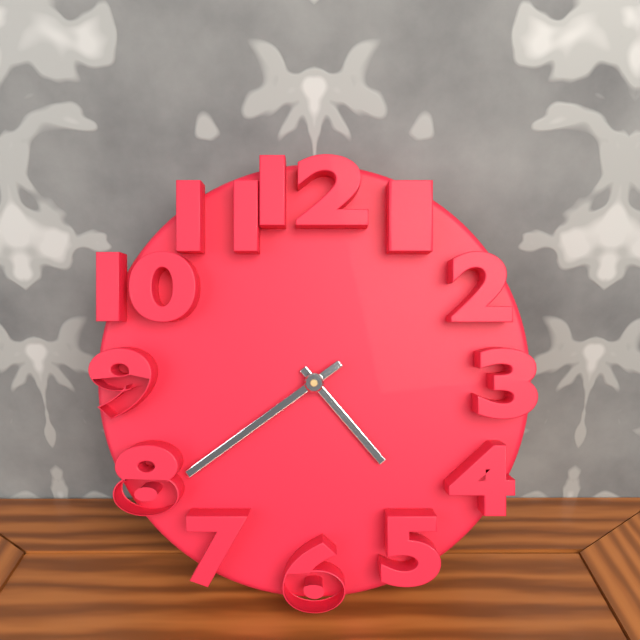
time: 4:39
